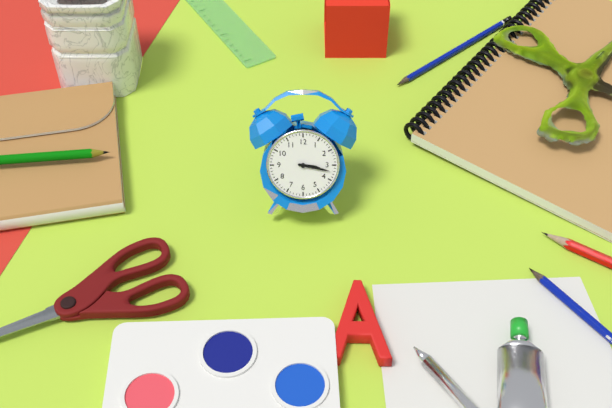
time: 3:17
